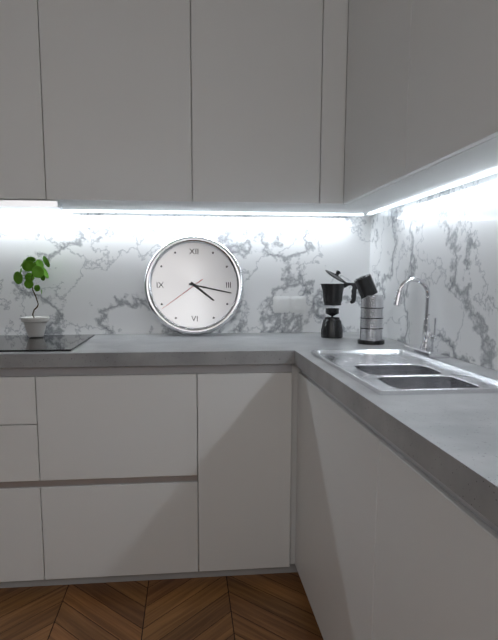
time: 4:17
